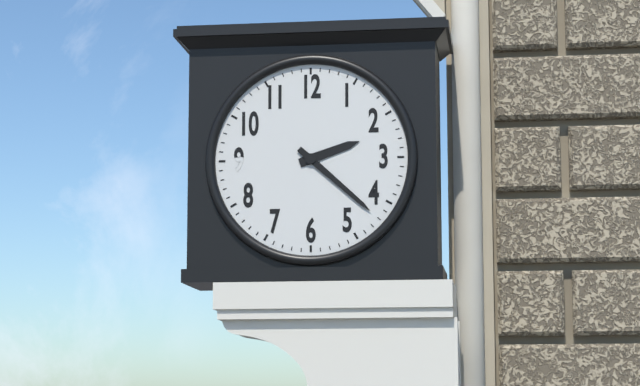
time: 2:22
